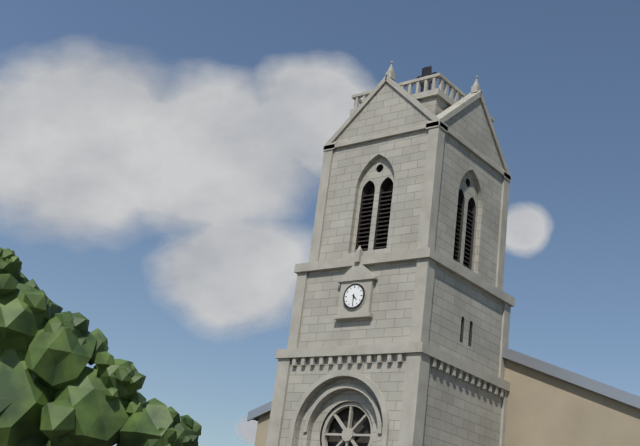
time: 4:30
